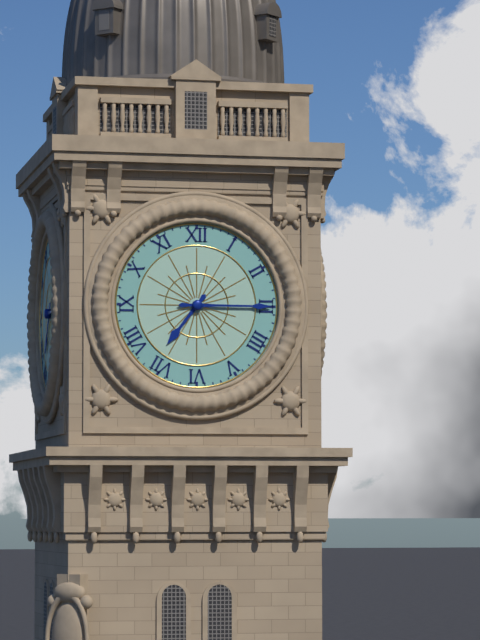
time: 7:15
